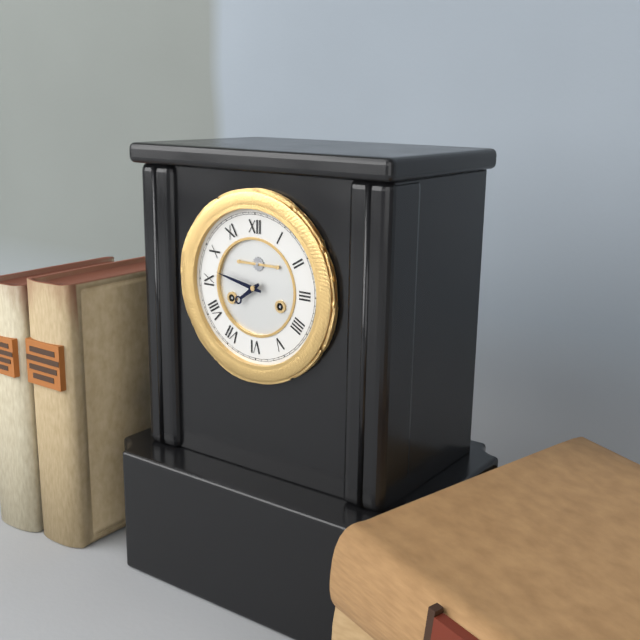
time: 7:47
